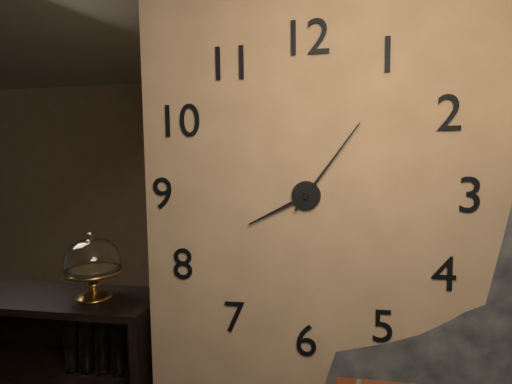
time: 8:06
